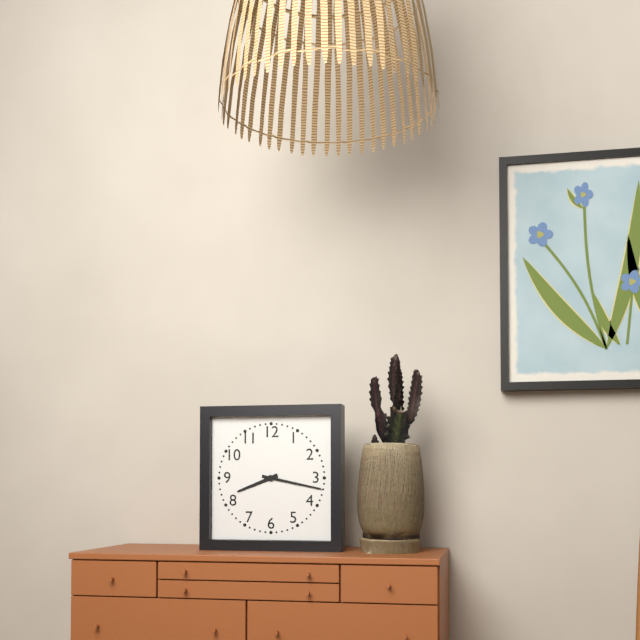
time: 8:17
